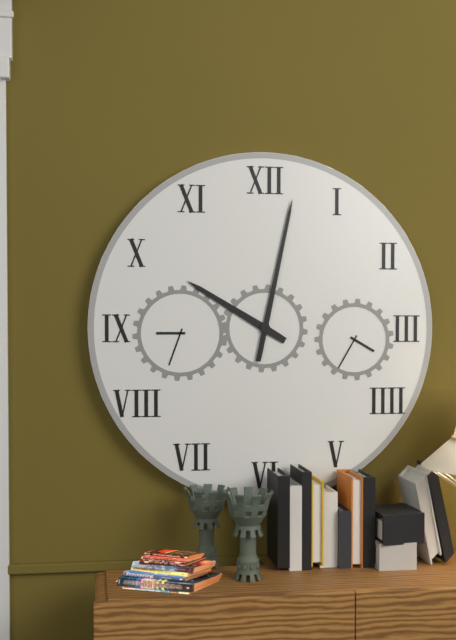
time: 10:02
